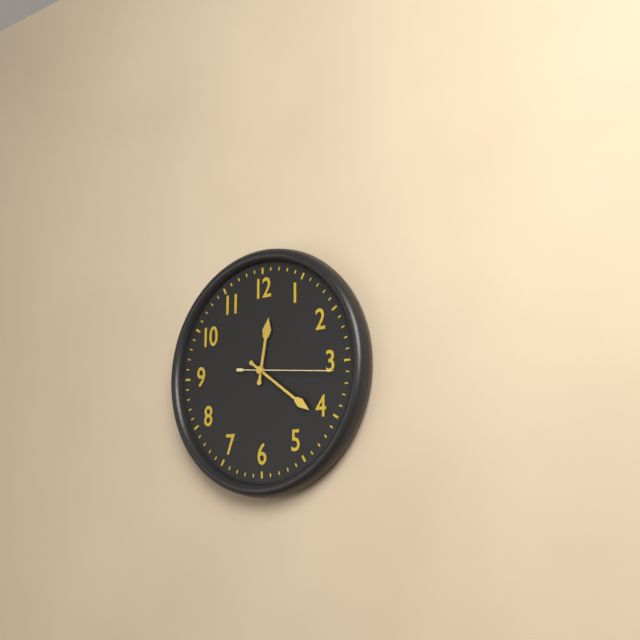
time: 12:21:16
